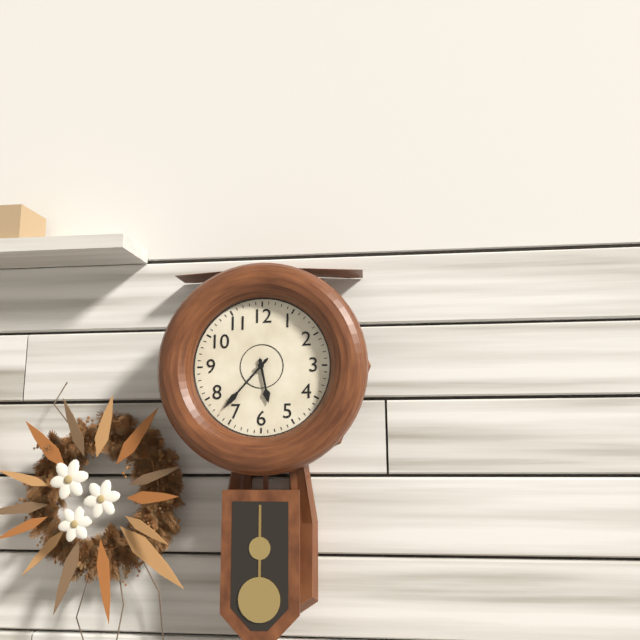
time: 5:37
